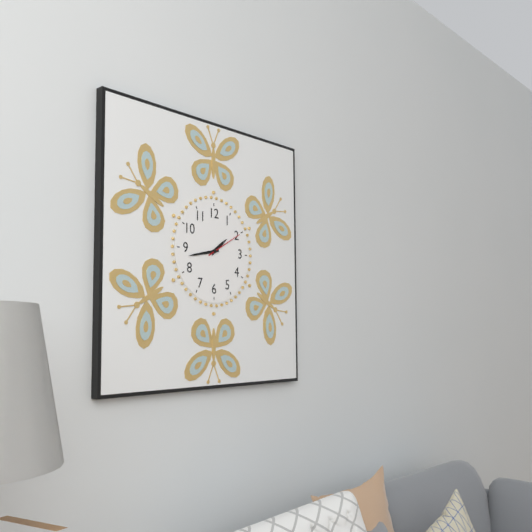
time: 1:43
